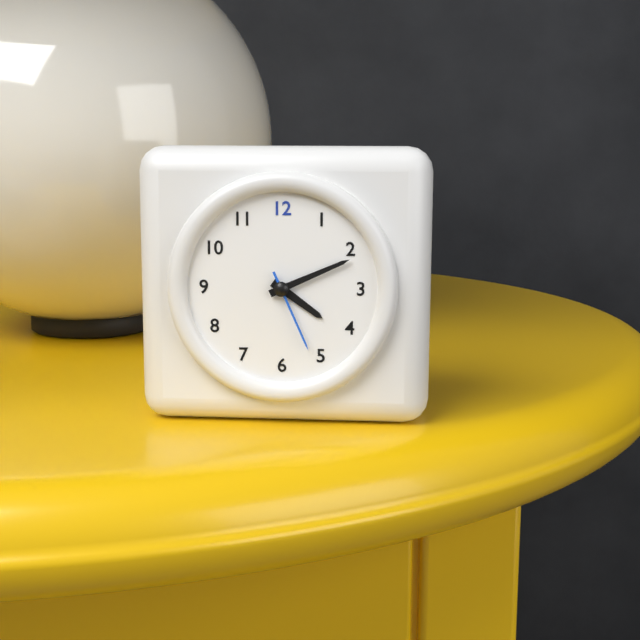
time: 4:11:26
